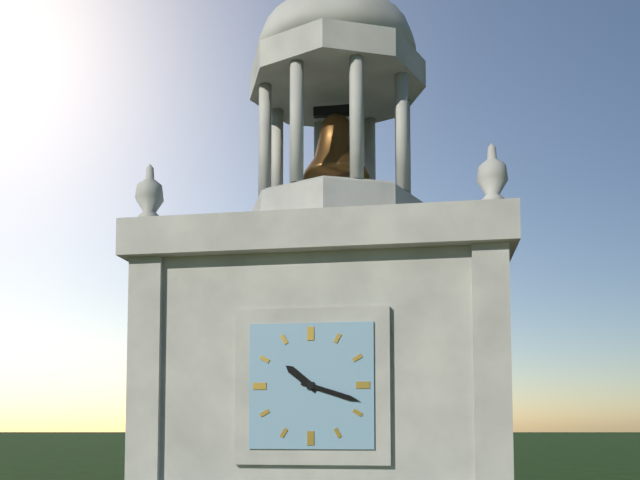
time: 10:18
